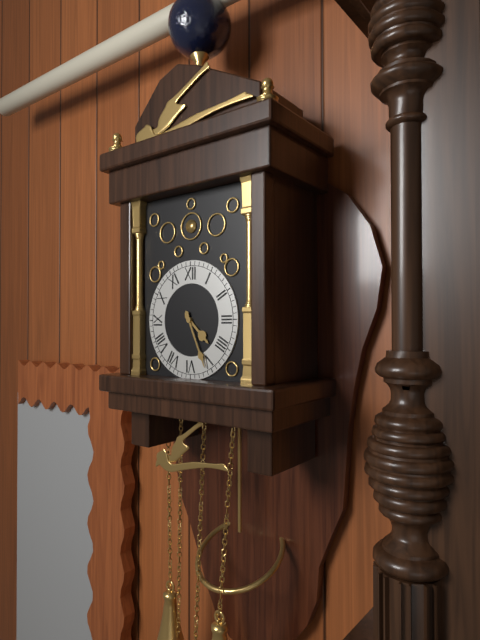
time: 4:26
